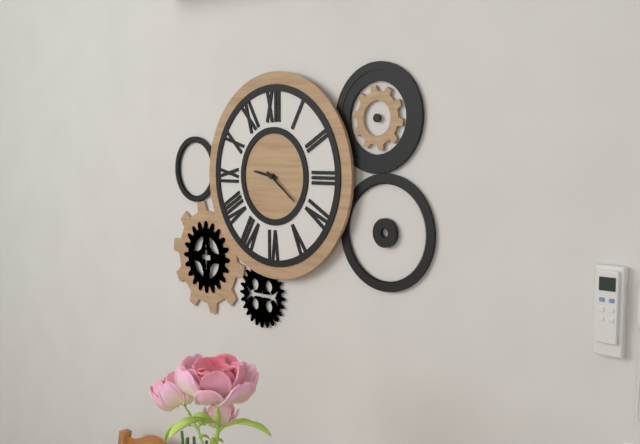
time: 9:21
